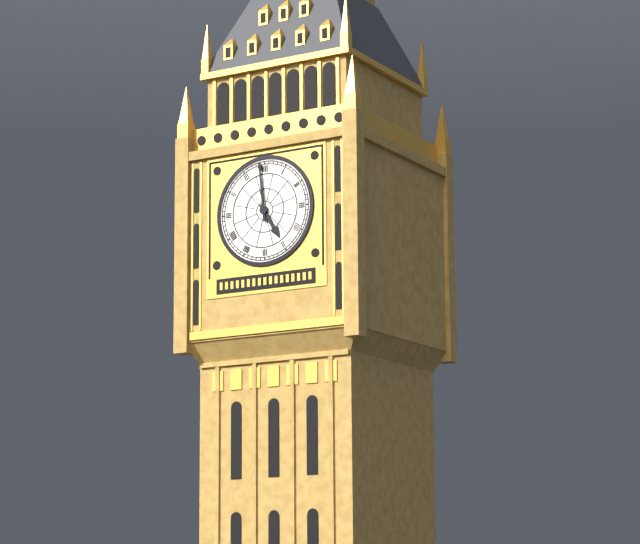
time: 4:59
